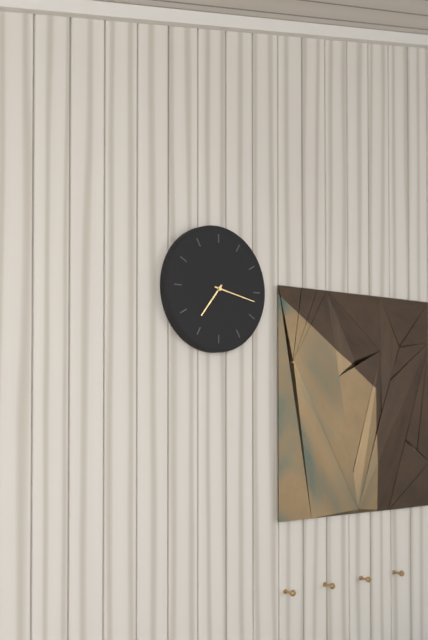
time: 7:17
